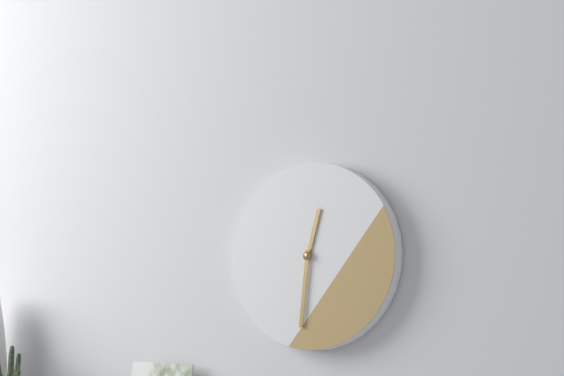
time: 12:31
